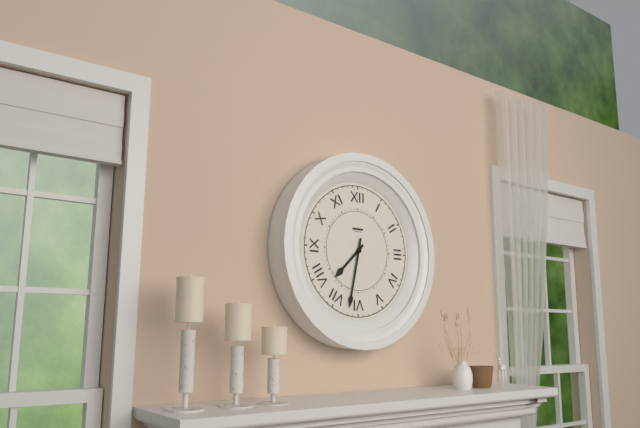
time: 7:32
